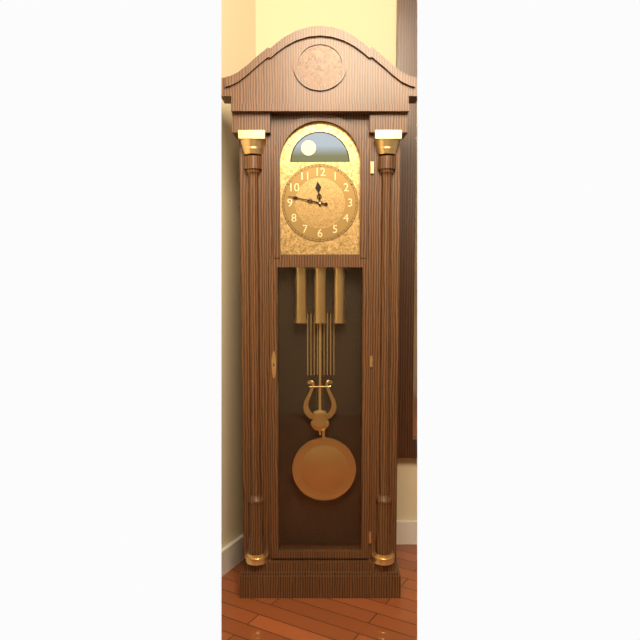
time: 11:47
